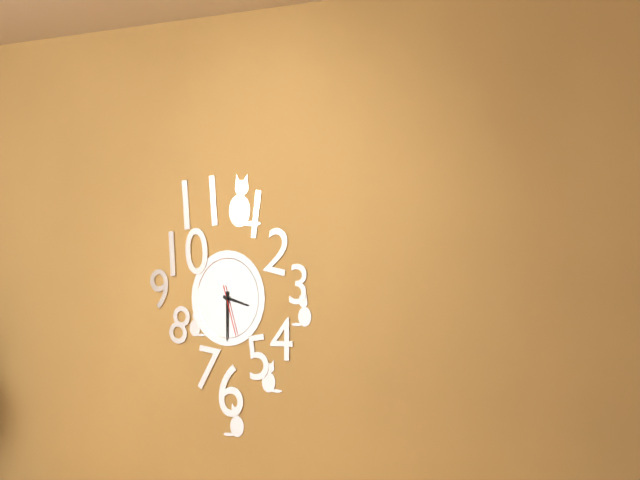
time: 3:30:27
